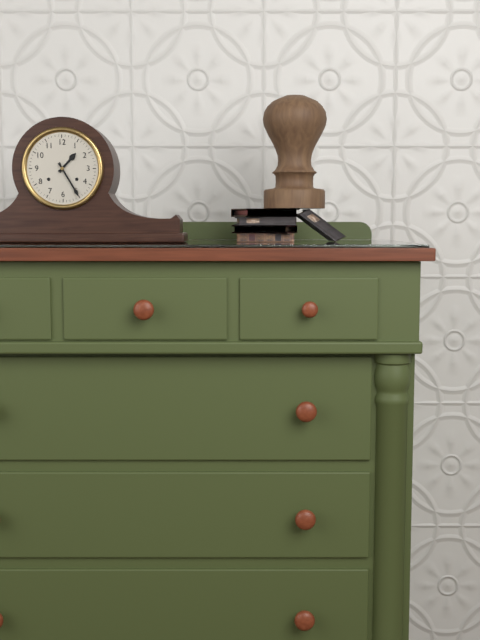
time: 1:25
